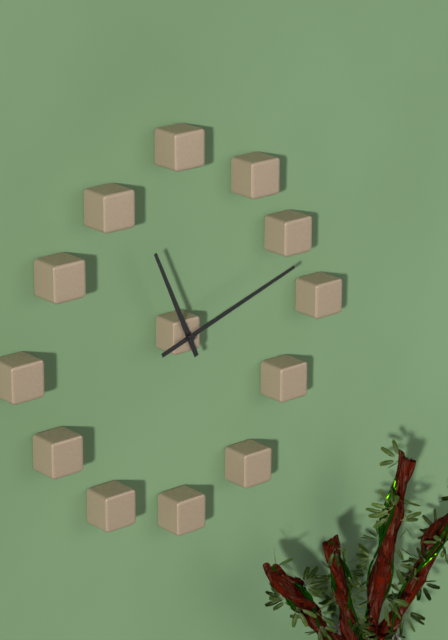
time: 11:12
